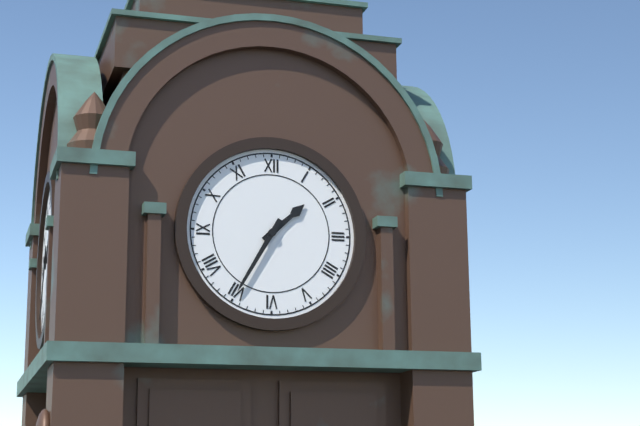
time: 1:35
